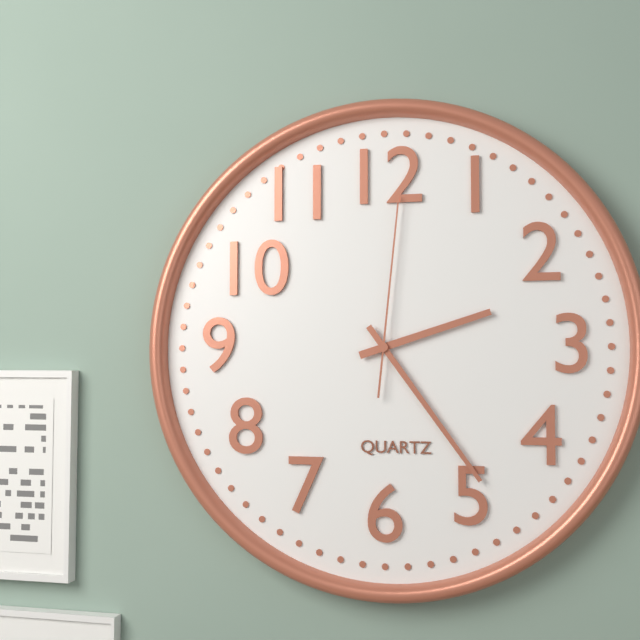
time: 2:24:01
